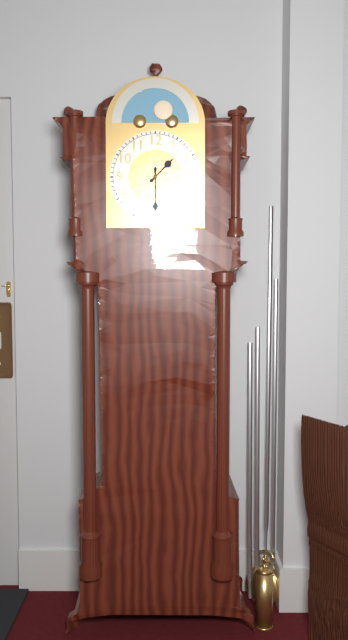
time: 1:30
